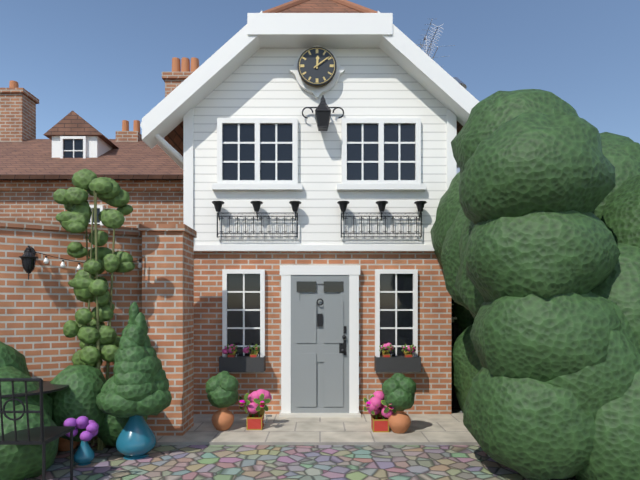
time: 12:09
